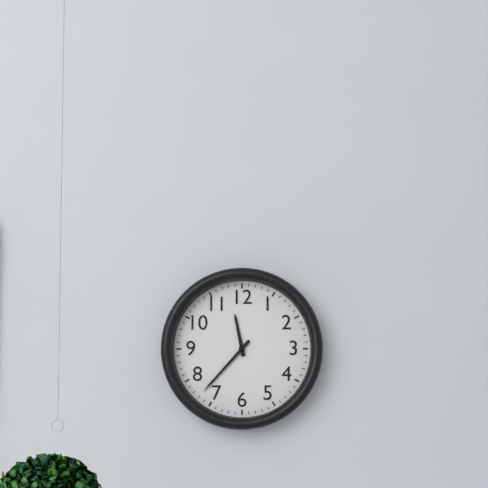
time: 11:37
